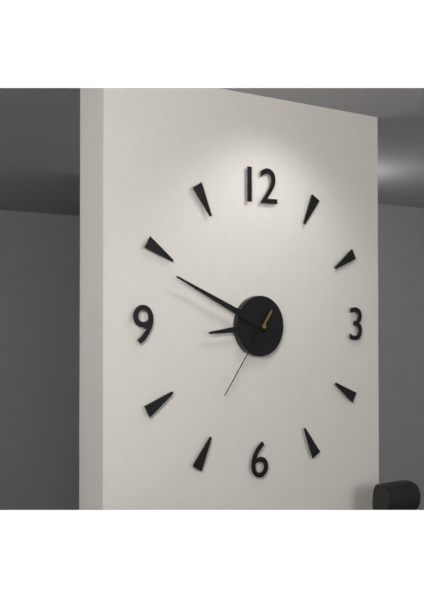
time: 8:49:36
